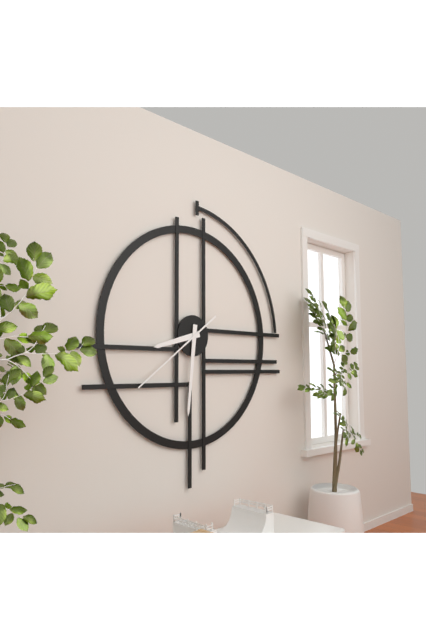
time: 8:31:39
